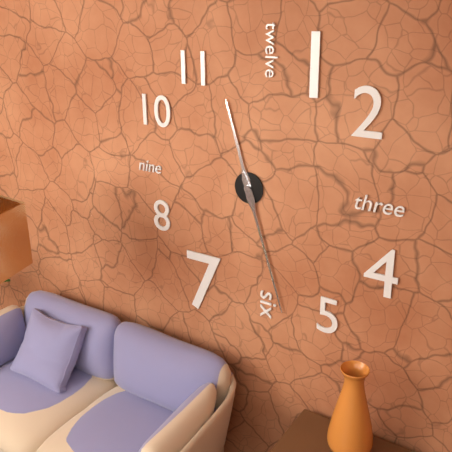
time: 11:27
